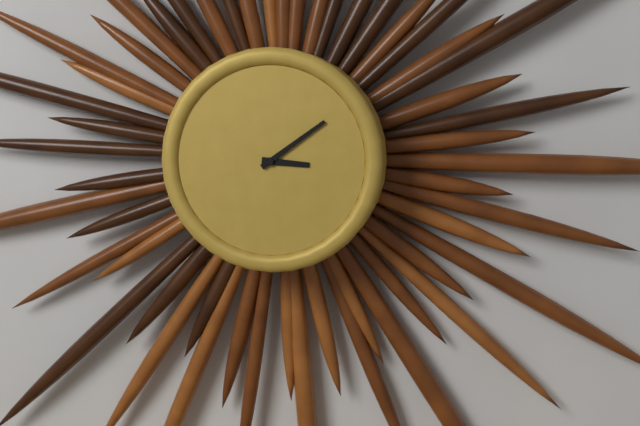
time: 3:09
